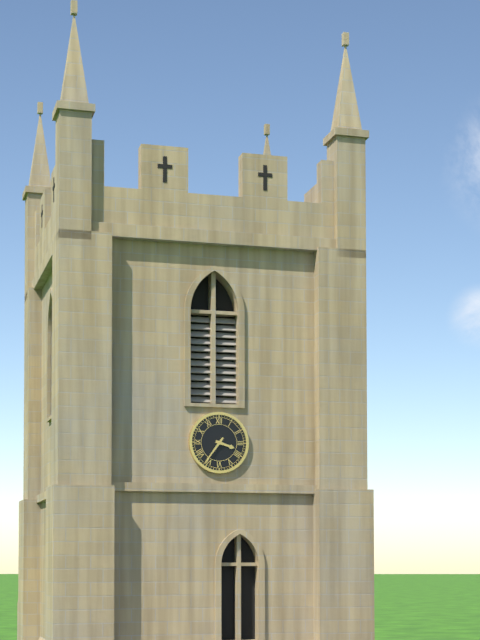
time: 3:36
